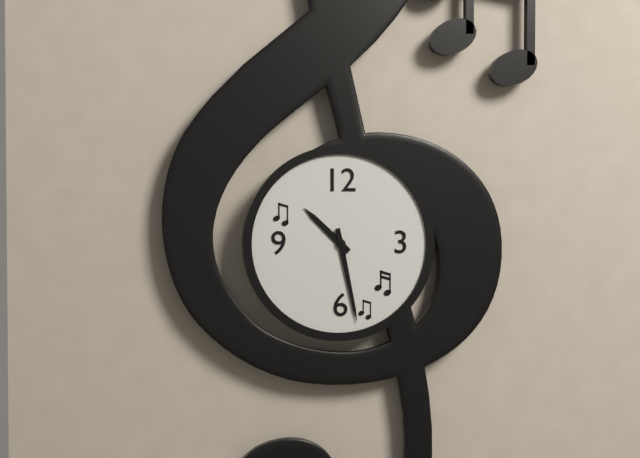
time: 10:28
